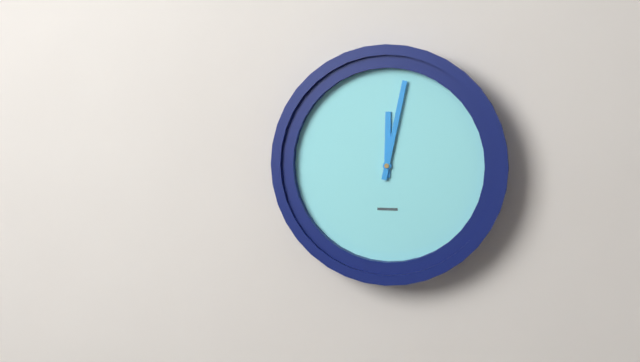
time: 12:02
